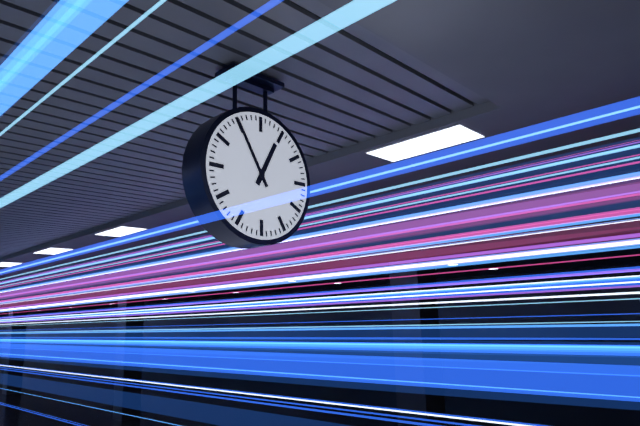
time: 12:55
